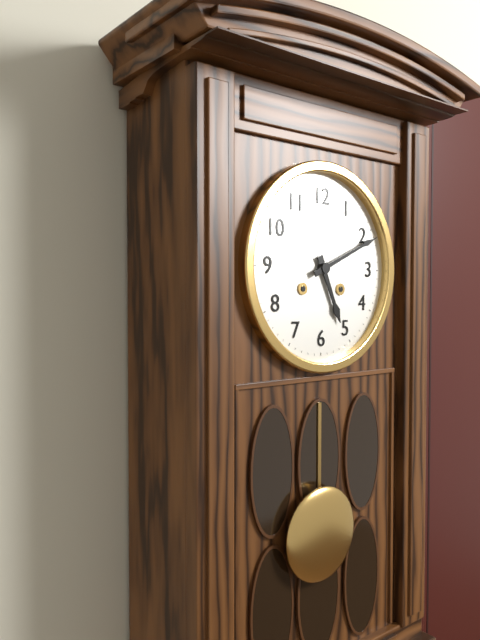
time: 5:11
